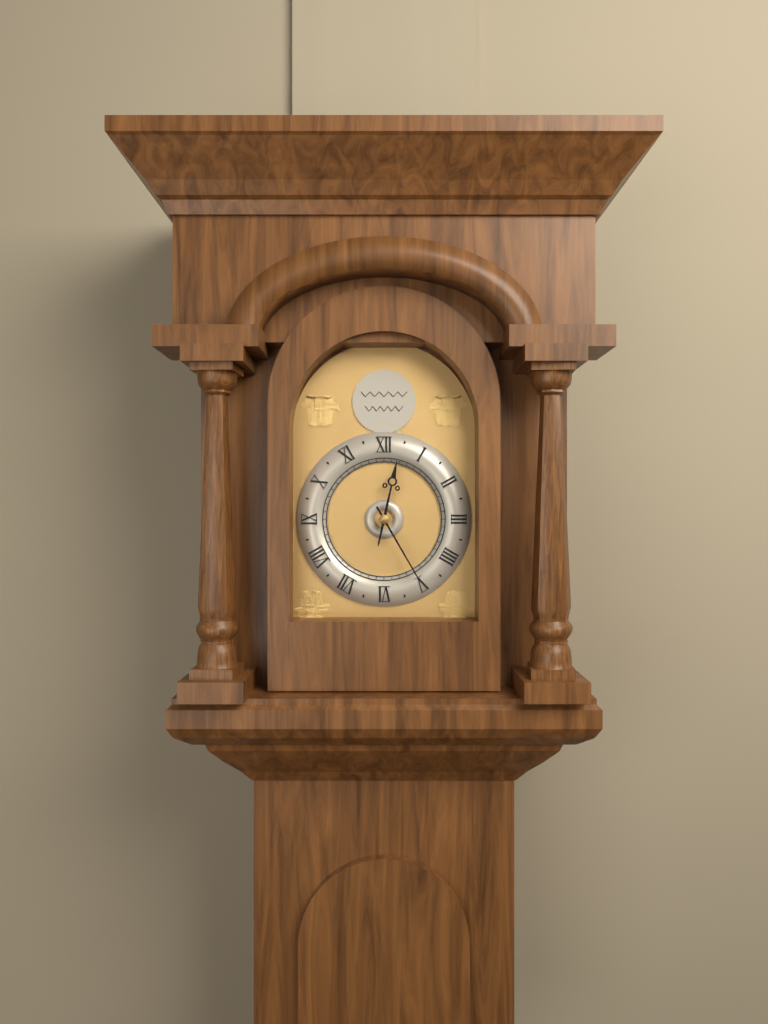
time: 12:25
